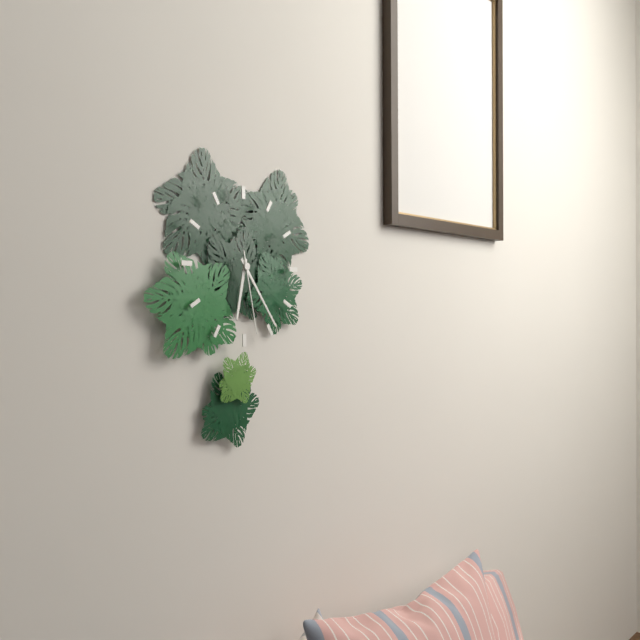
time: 6:24:28
